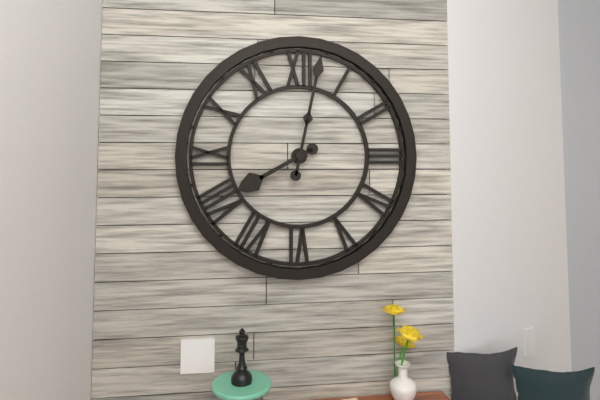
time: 8:02
